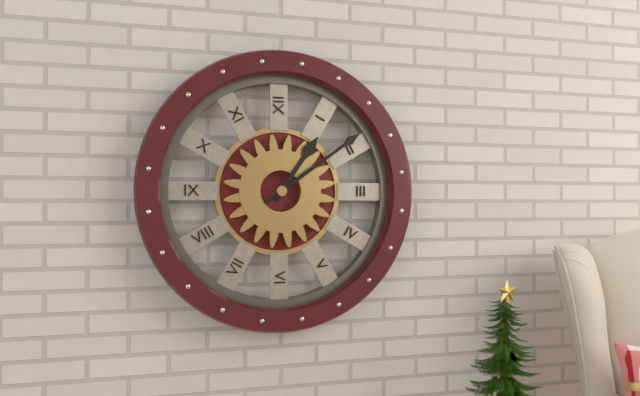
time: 1:09
